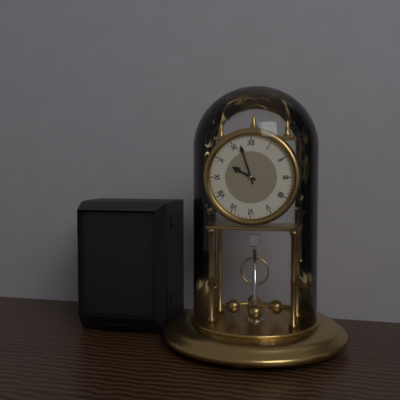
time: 9:57
